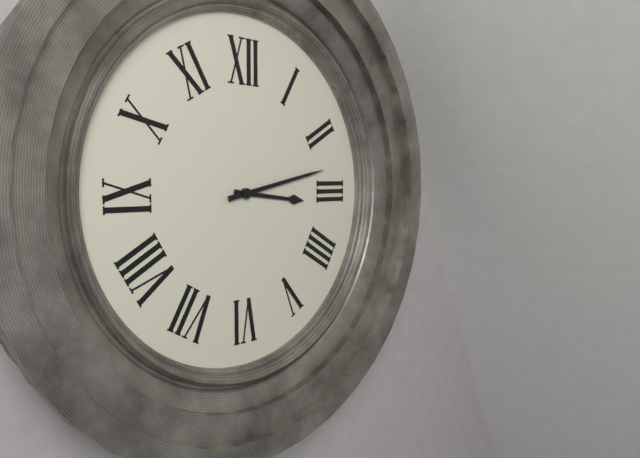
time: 3:13
